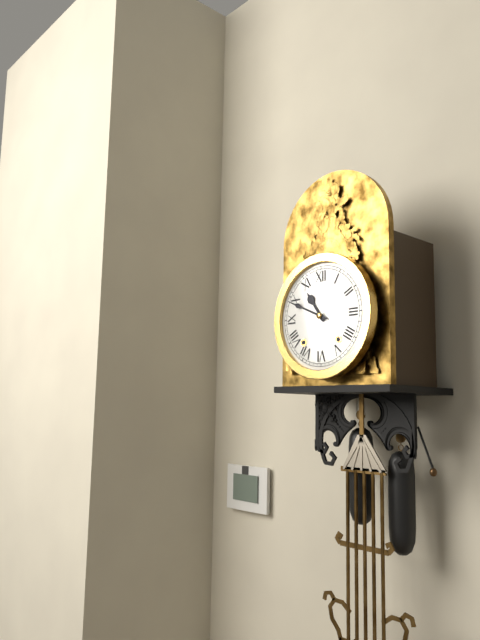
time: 10:49
